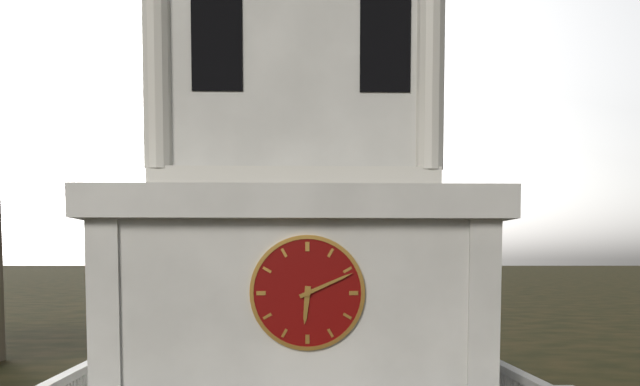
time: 6:11
